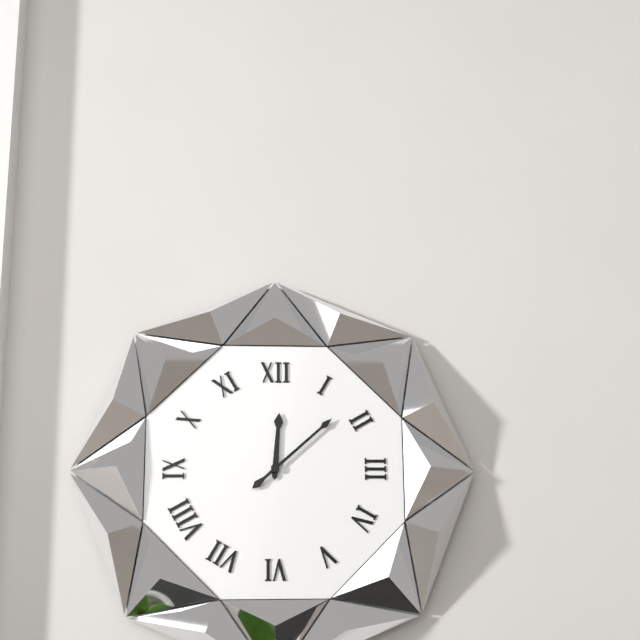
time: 12:08
